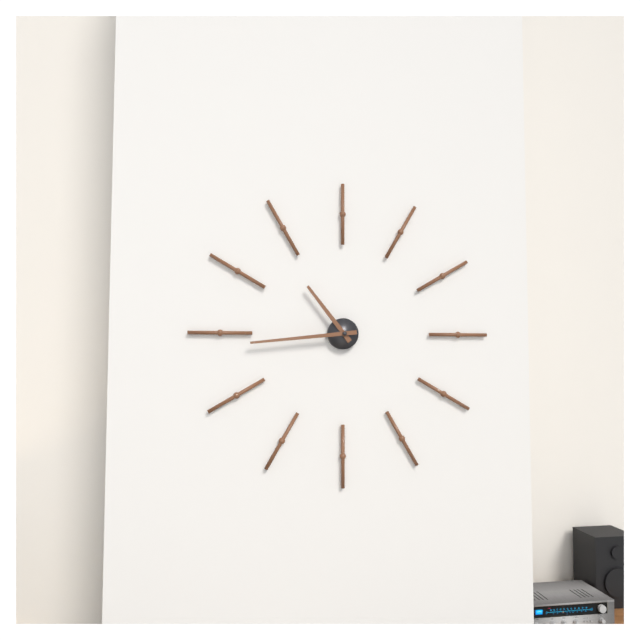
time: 10:44
